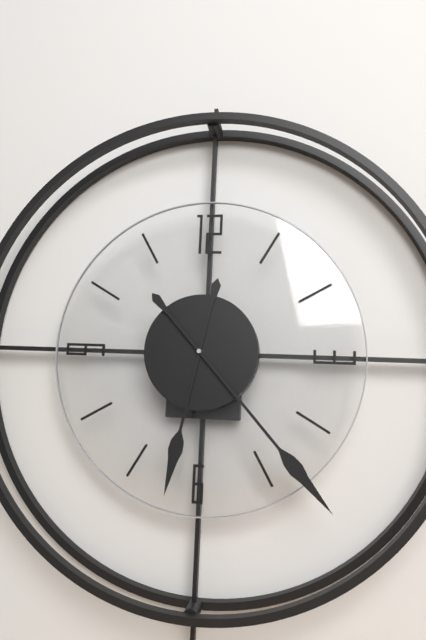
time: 6:23
